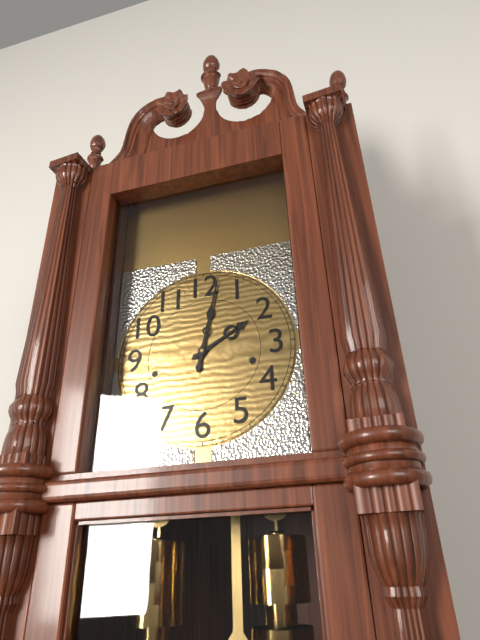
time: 2:02
